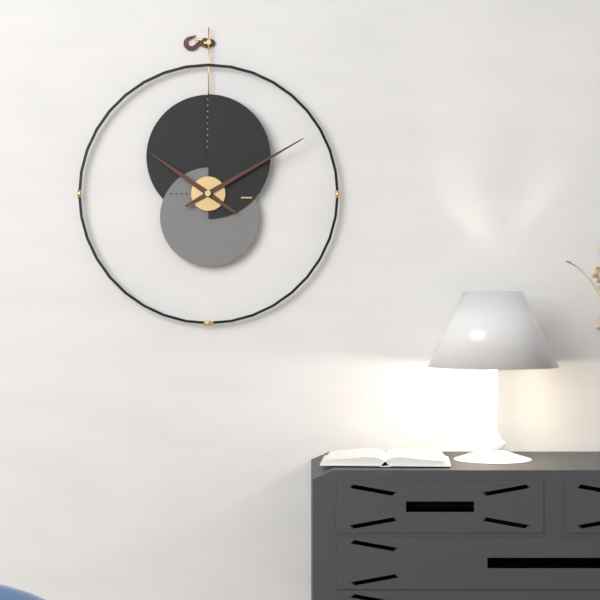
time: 10:10
